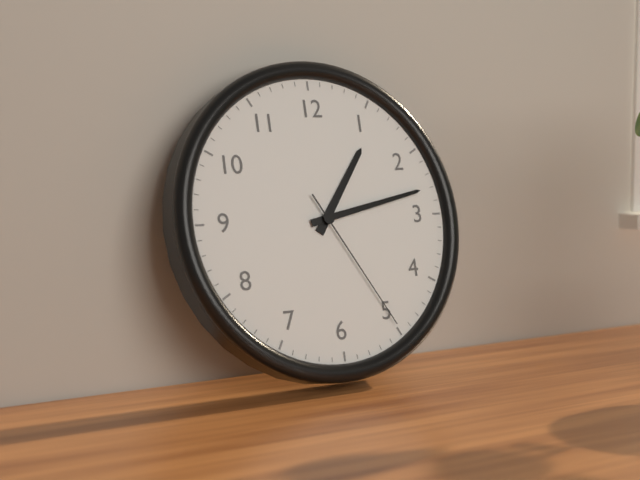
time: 1:13:25
